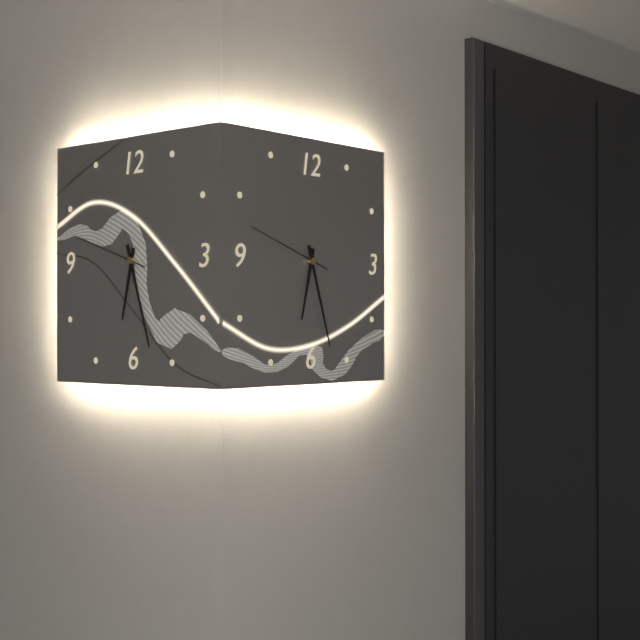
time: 6:27:48
